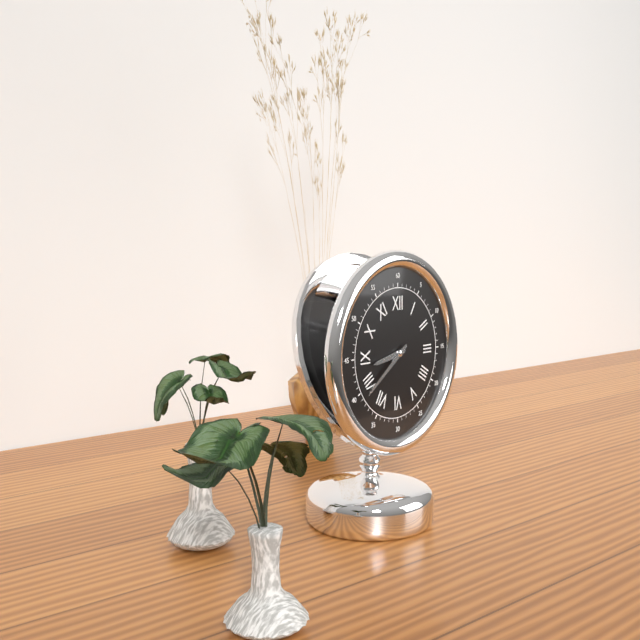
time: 8:39
